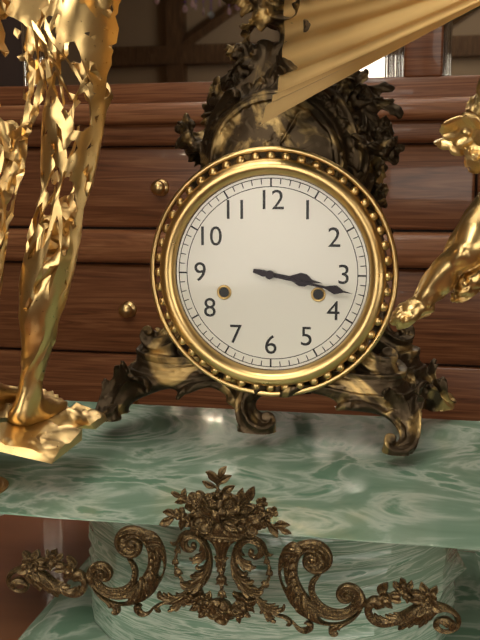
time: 3:17
